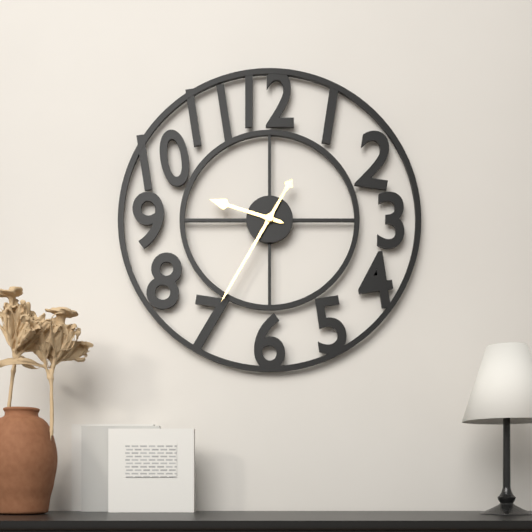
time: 9:35
